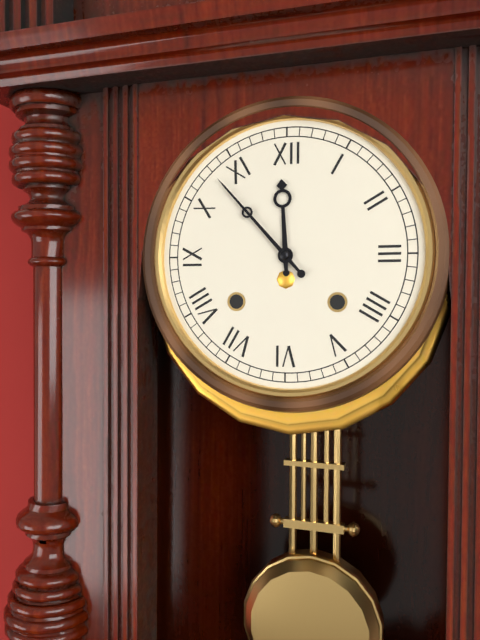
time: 11:53
